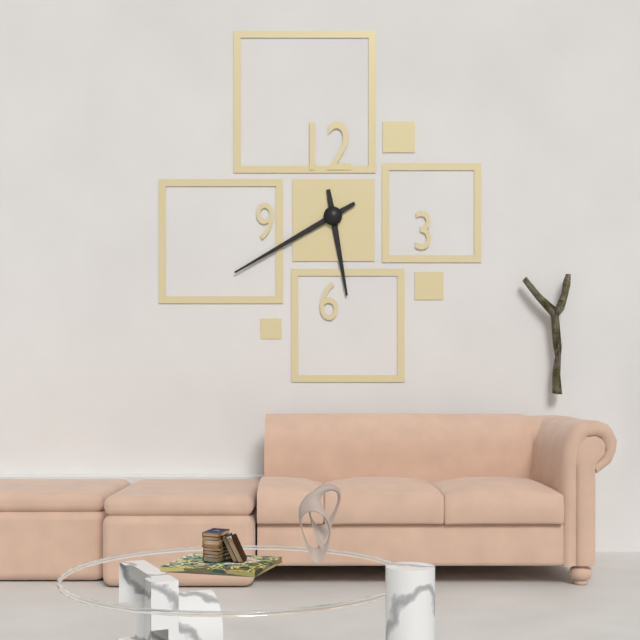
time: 5:40
